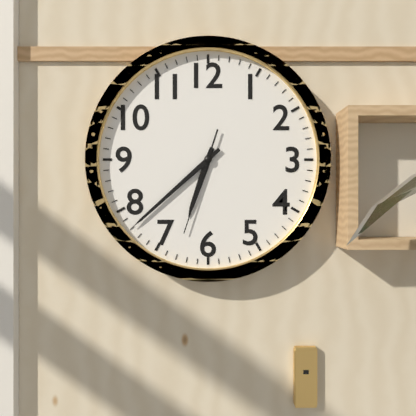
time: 6:38:33
